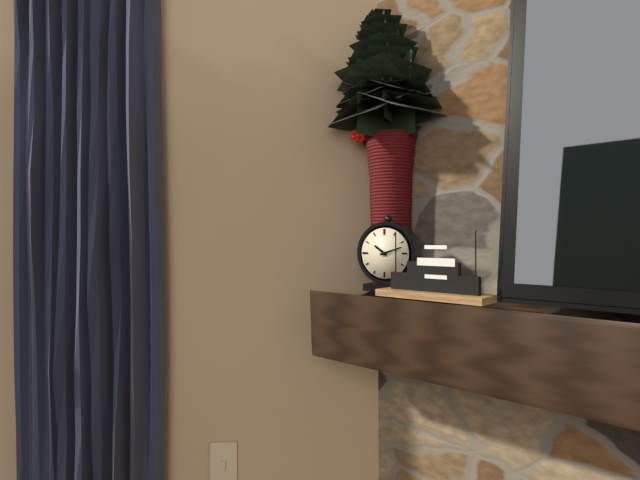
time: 10:12
